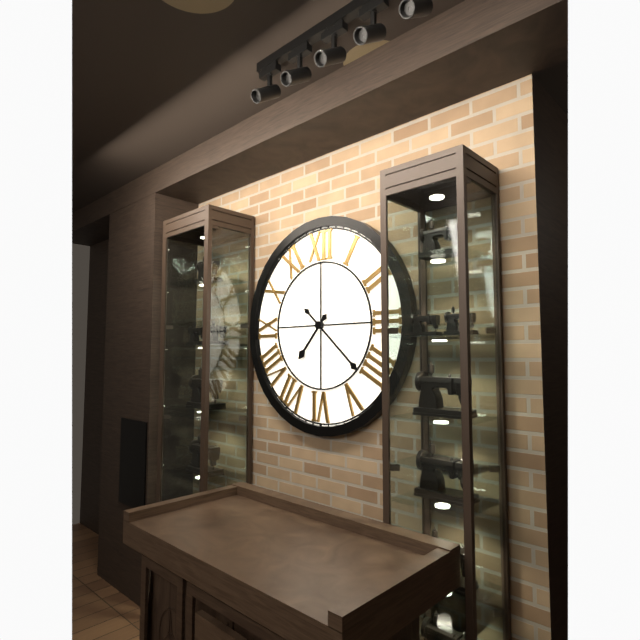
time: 7:22
